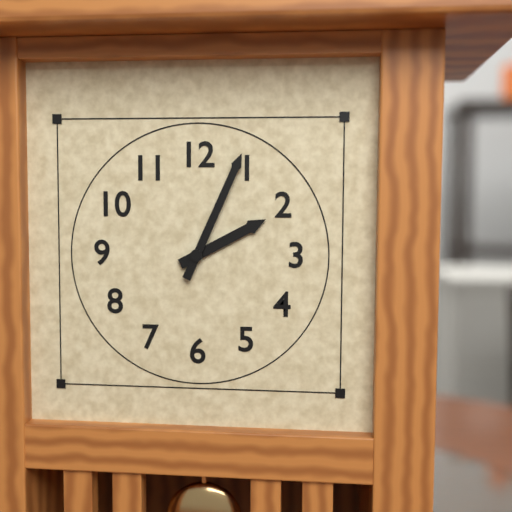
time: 2:04
